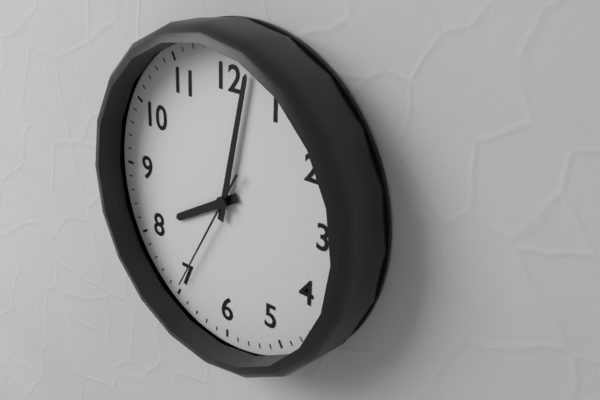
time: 8:02:35
